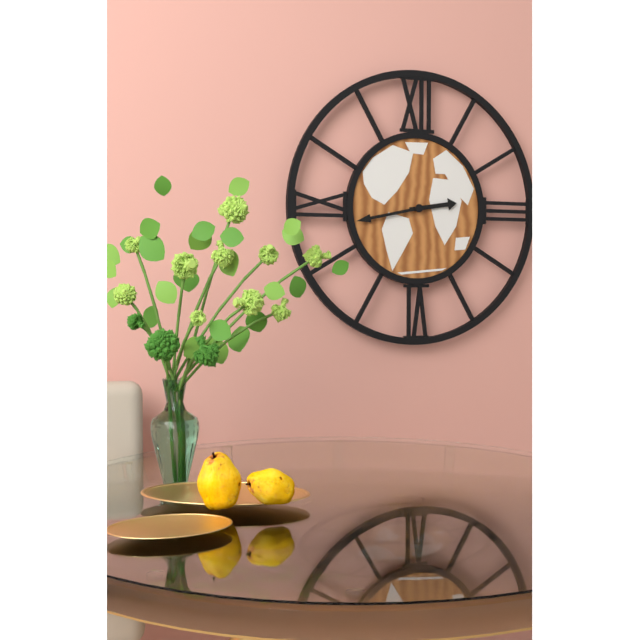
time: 2:43
